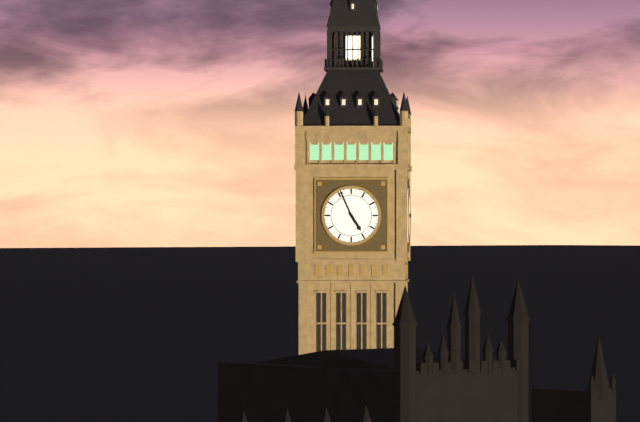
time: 4:56
